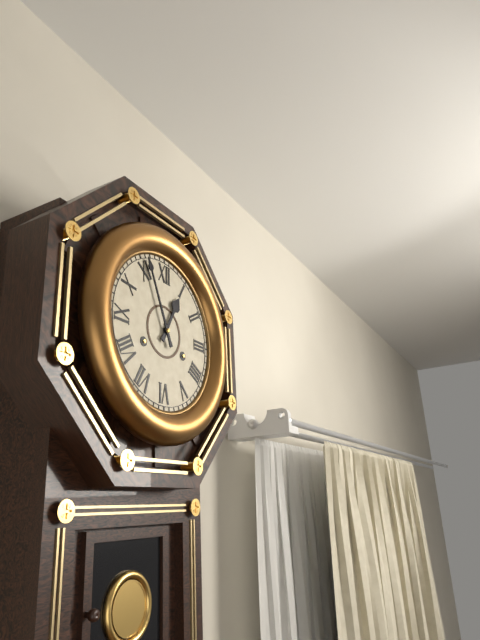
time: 12:56
